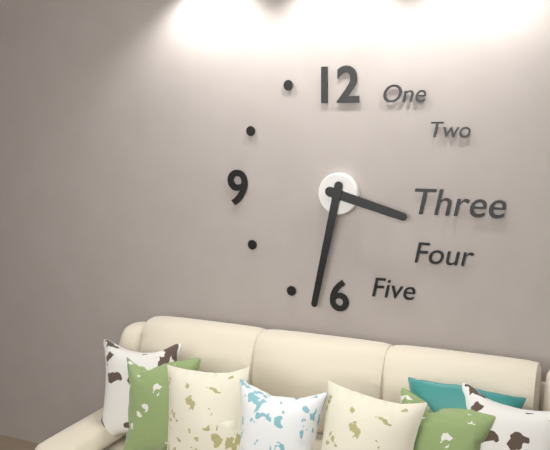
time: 3:32
